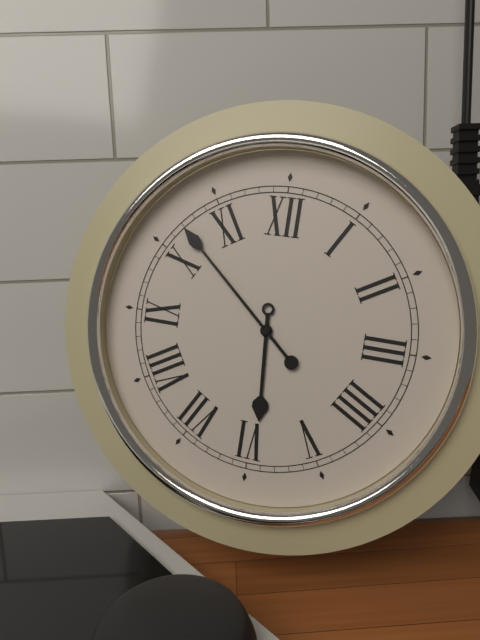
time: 5:52
